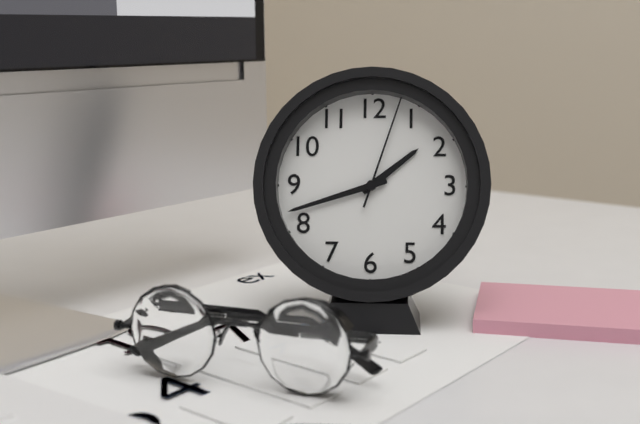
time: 1:42:03
